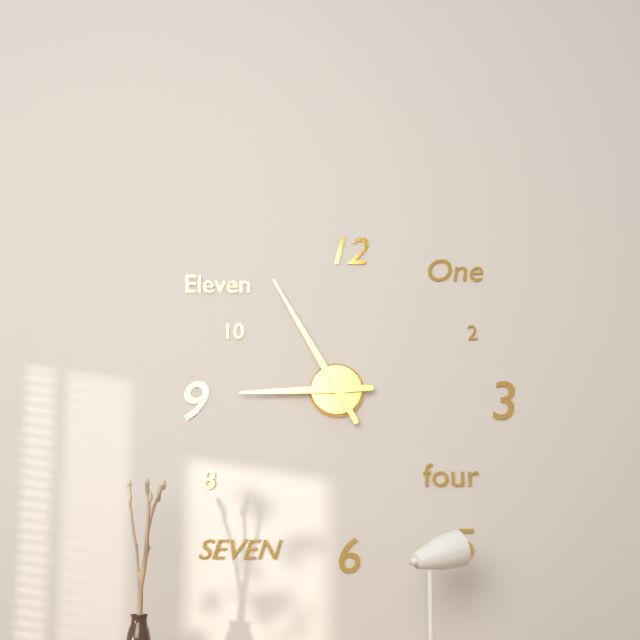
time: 8:55
